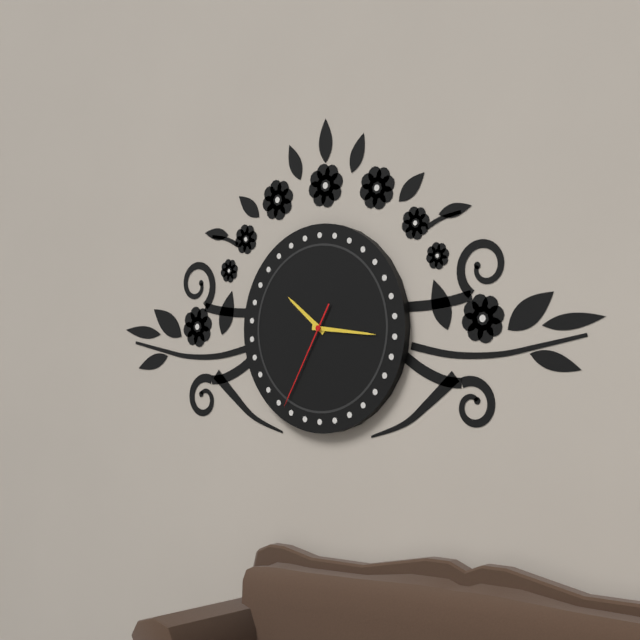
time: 10:16:35
